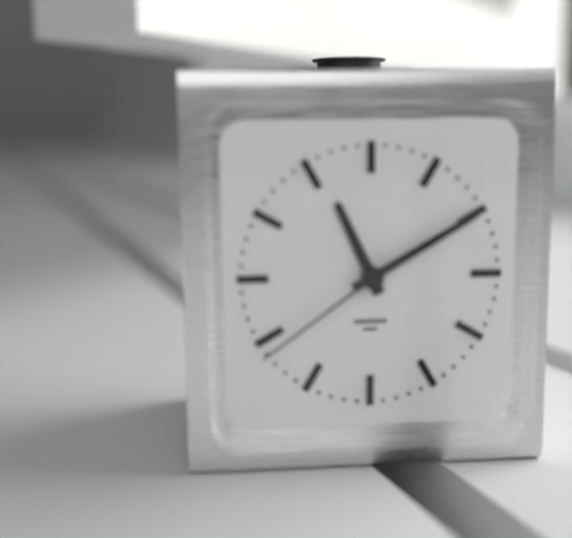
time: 11:10:39
